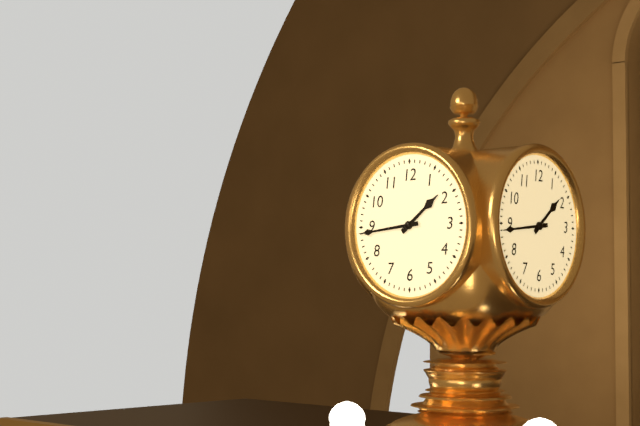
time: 1:44
